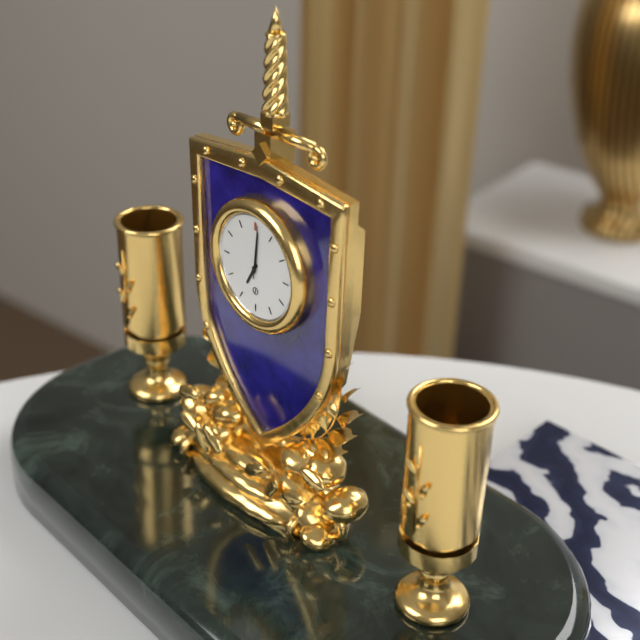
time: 7:01:01
